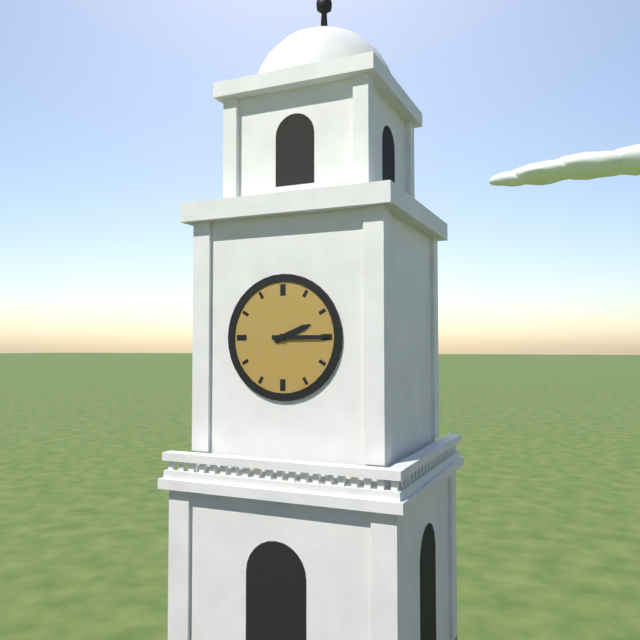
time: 2:15
